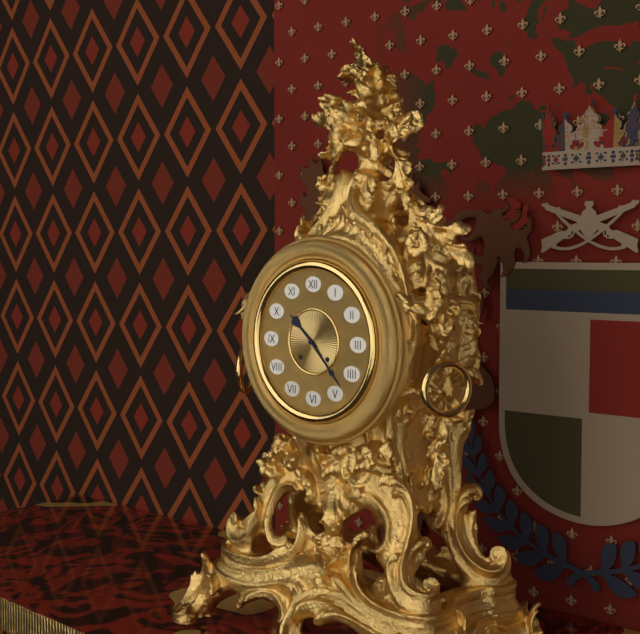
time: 10:23
